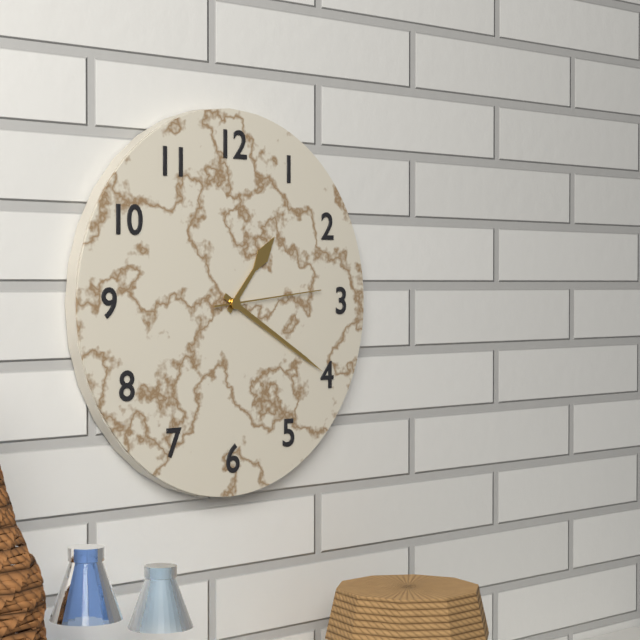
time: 1:20:14
